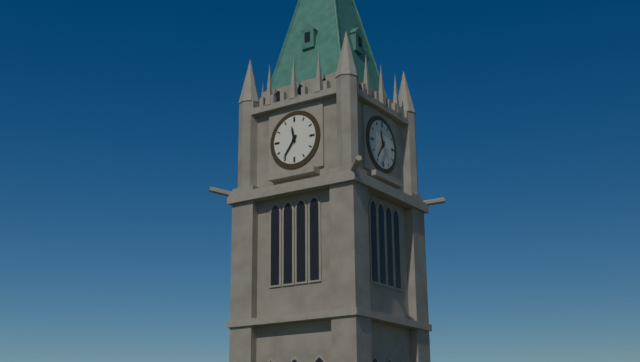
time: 11:36
